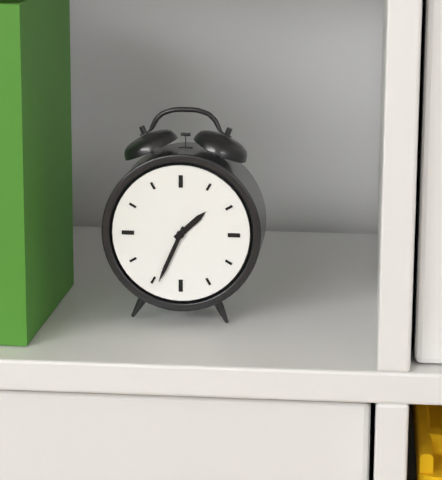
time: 1:34
